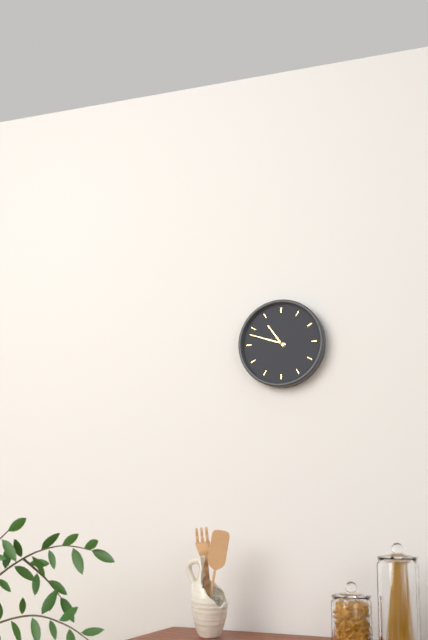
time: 10:48
